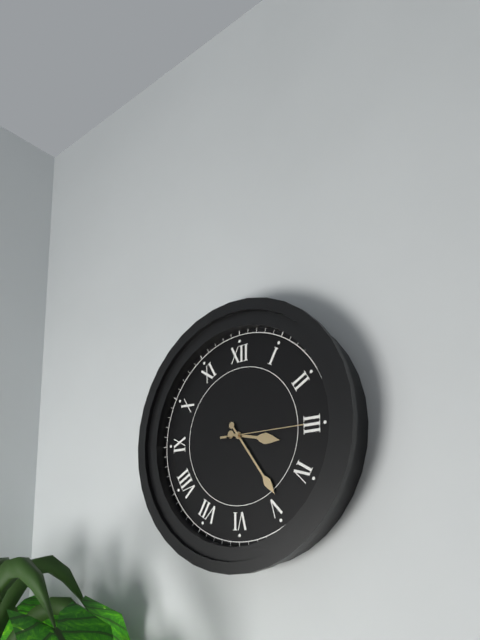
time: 3:24:15
